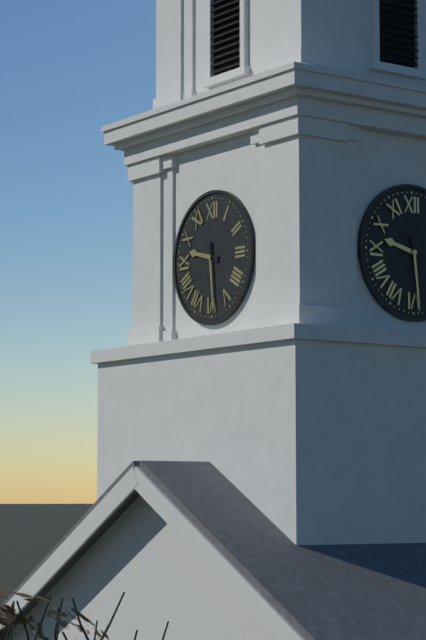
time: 9:29
